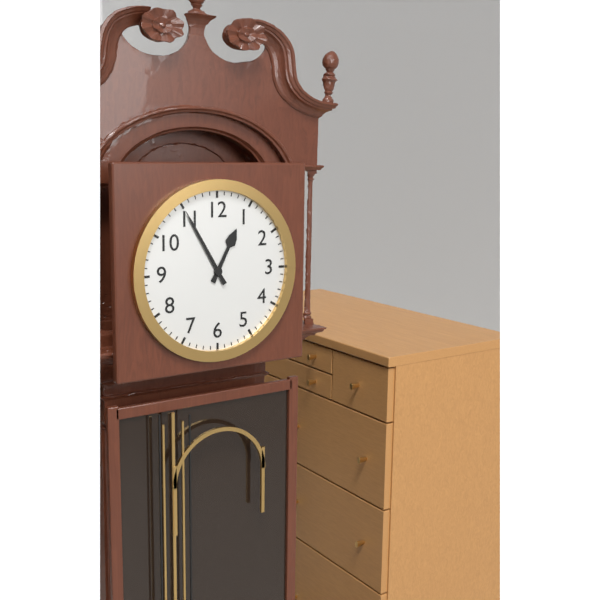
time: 12:55
